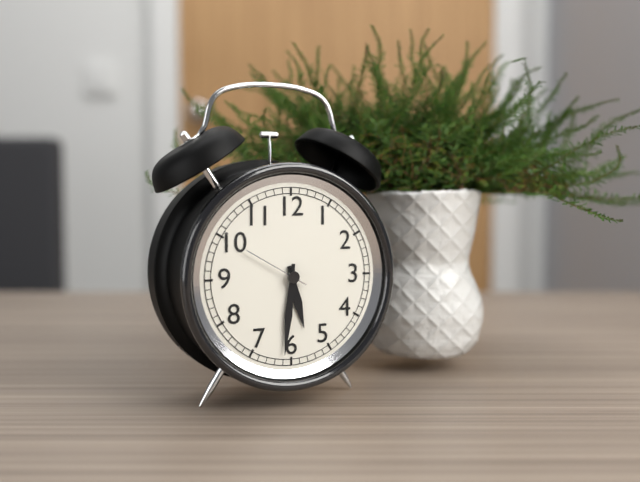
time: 5:31:50
